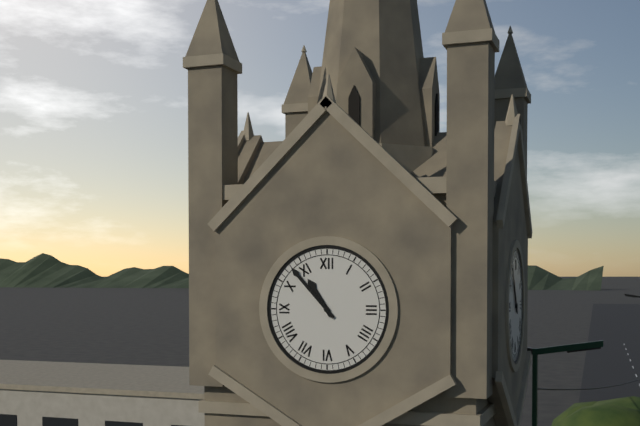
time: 10:53
